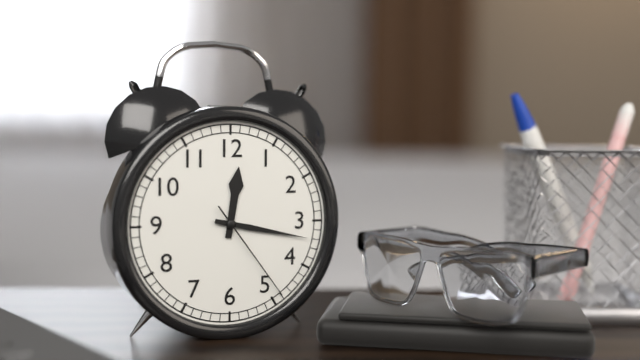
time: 12:17:24
